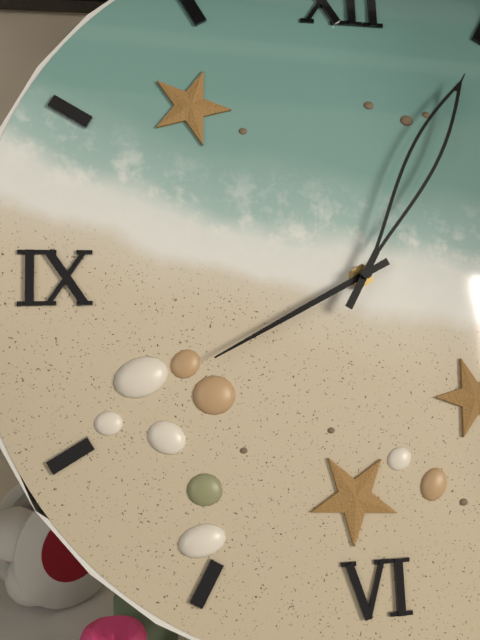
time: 8:05
